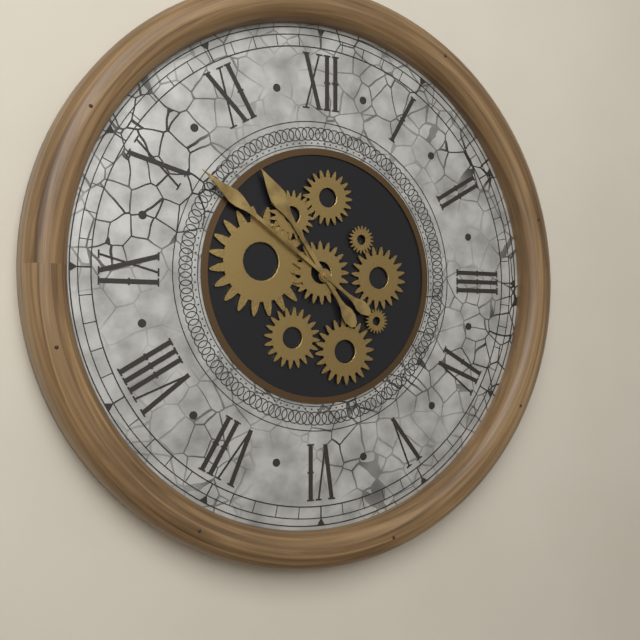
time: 10:51
